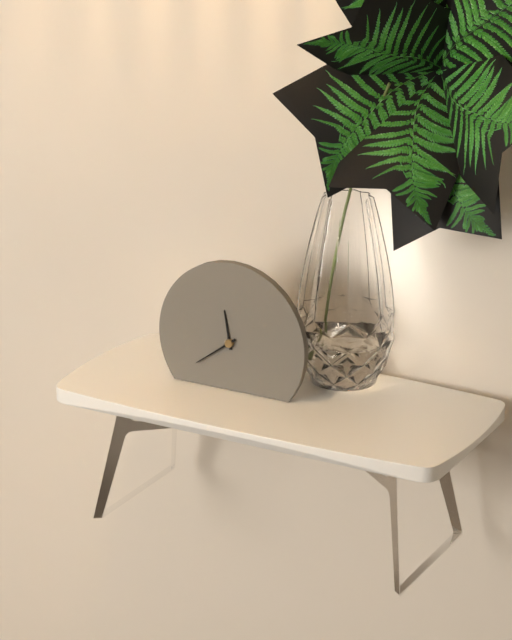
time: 11:39
